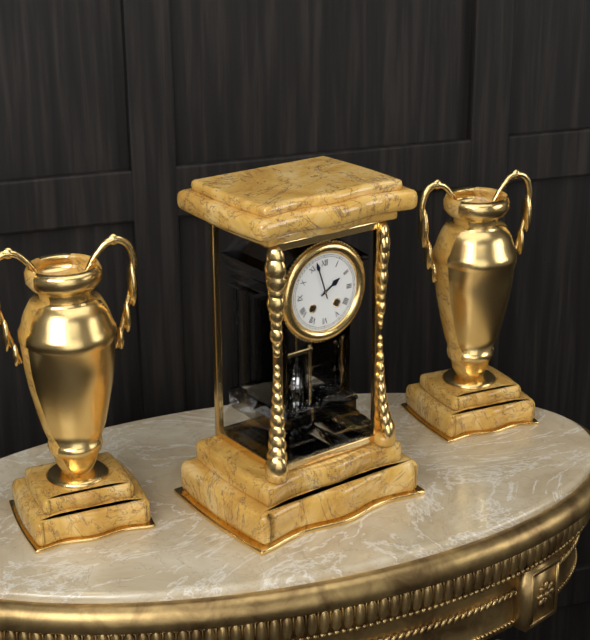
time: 1:57
